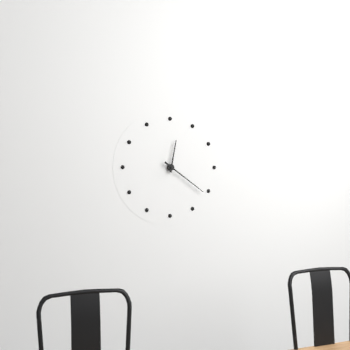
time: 12:21
